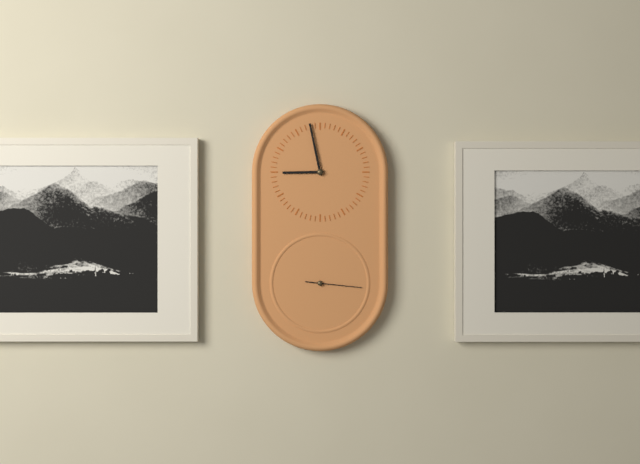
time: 8:58:16
